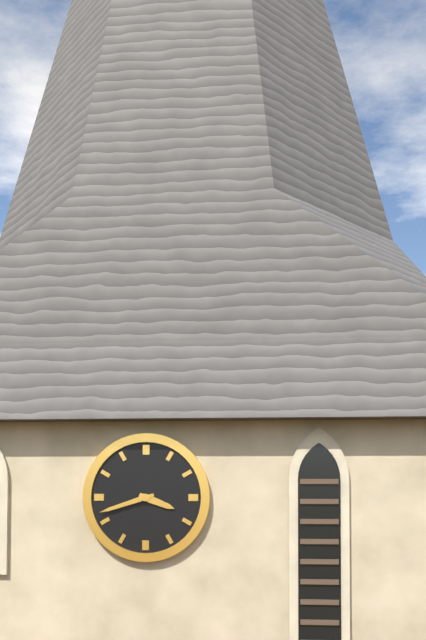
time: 3:42
